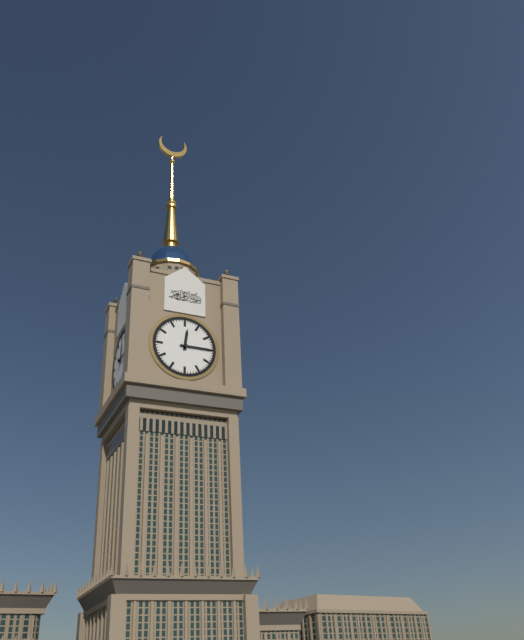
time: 12:15
